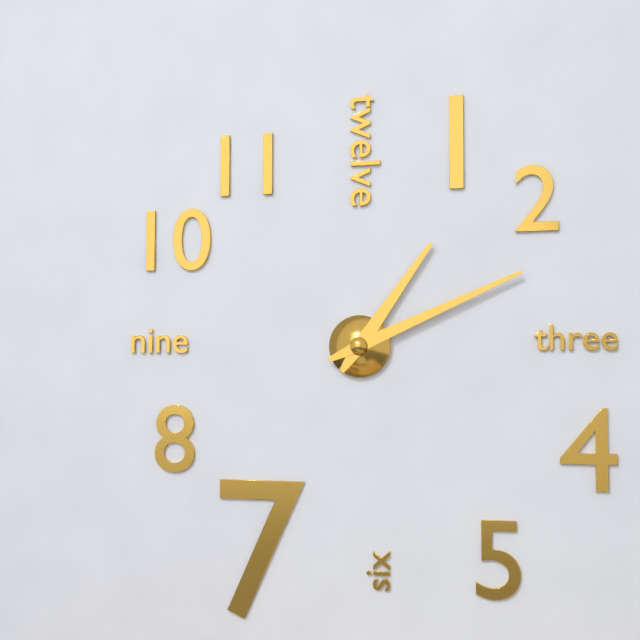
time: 1:11
